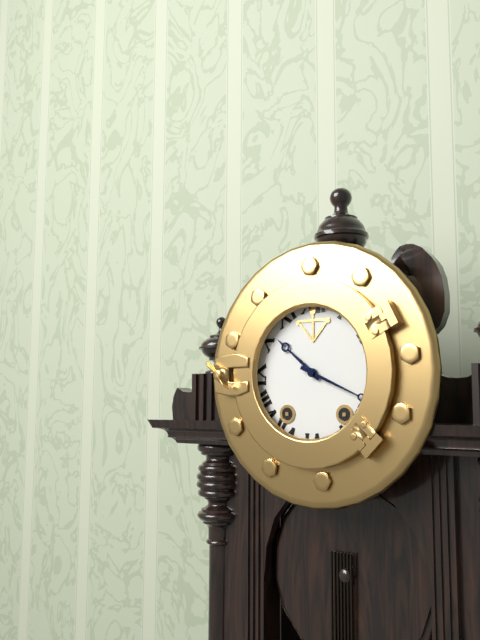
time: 10:19
